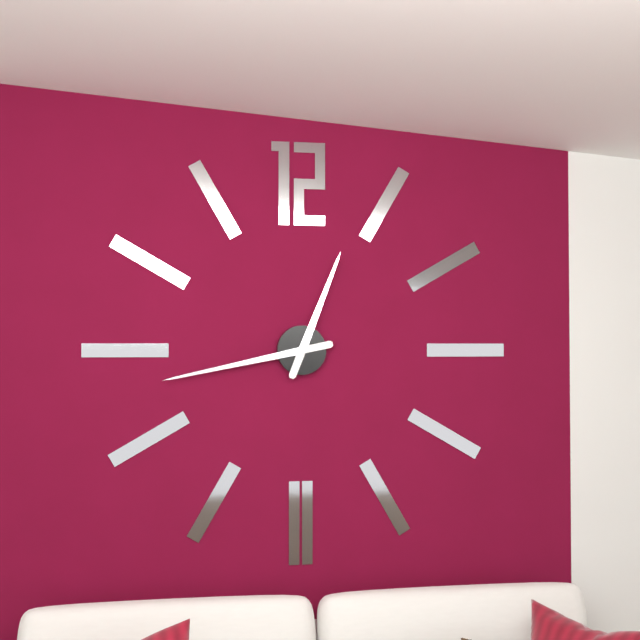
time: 12:43
